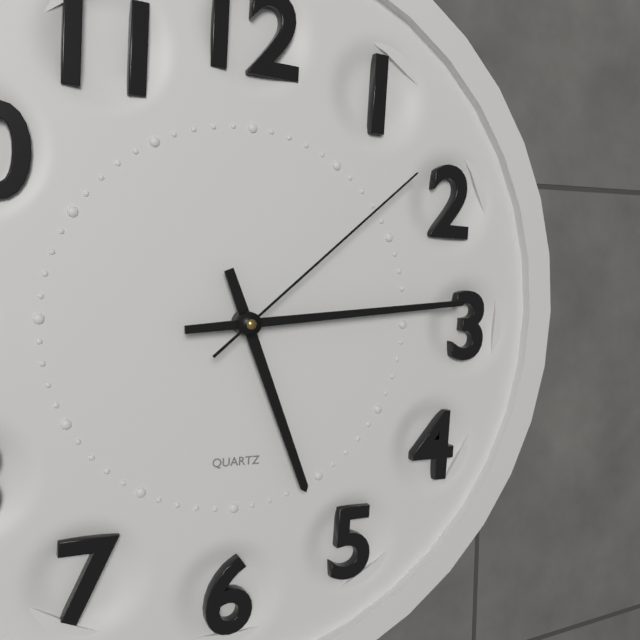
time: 5:14:08
